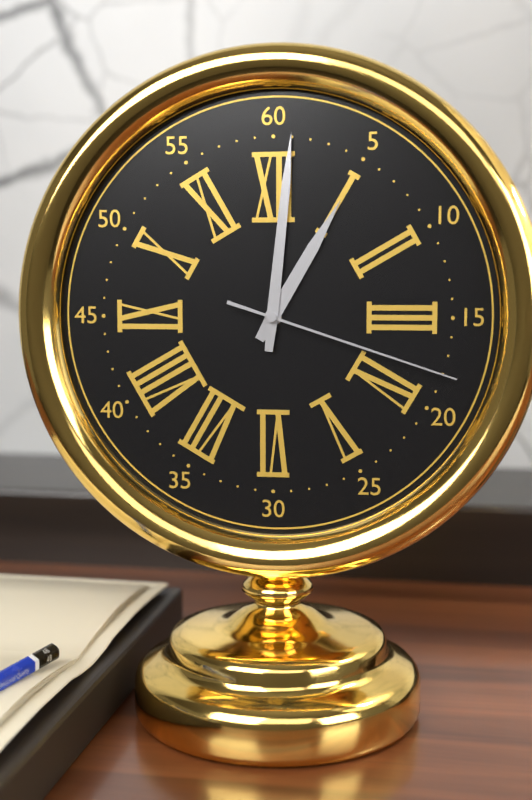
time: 1:01:18
